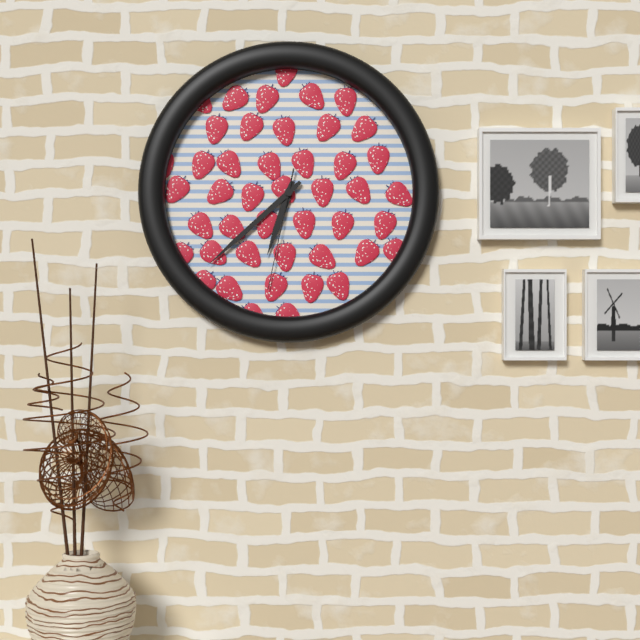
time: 6:38:32
